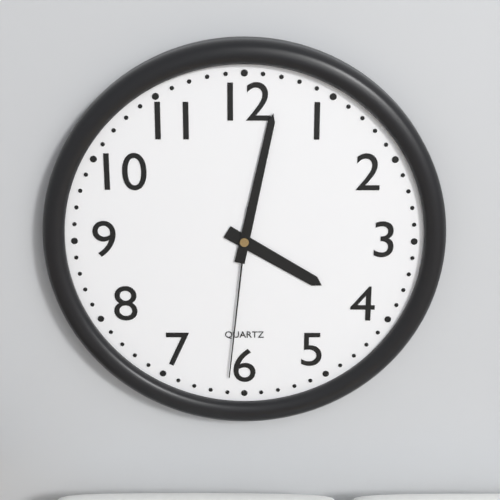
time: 4:02:31
